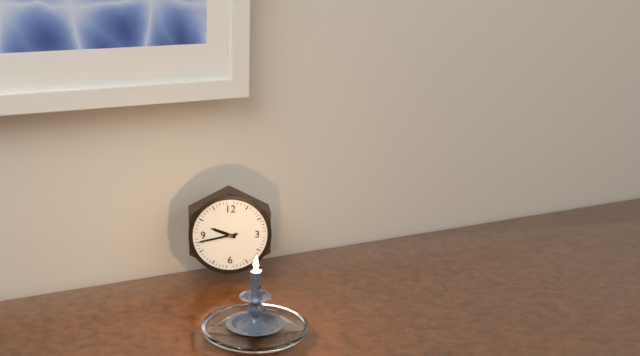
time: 9:43
